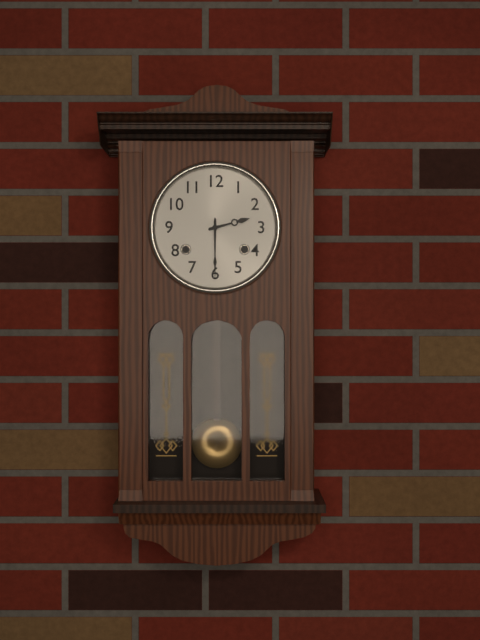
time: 2:30
